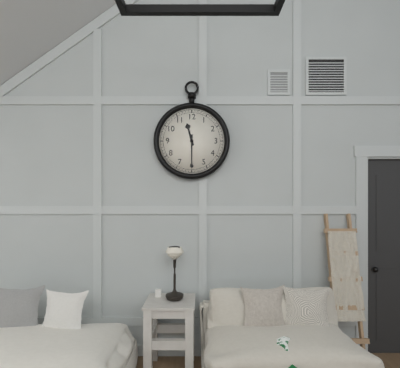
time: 11:30
